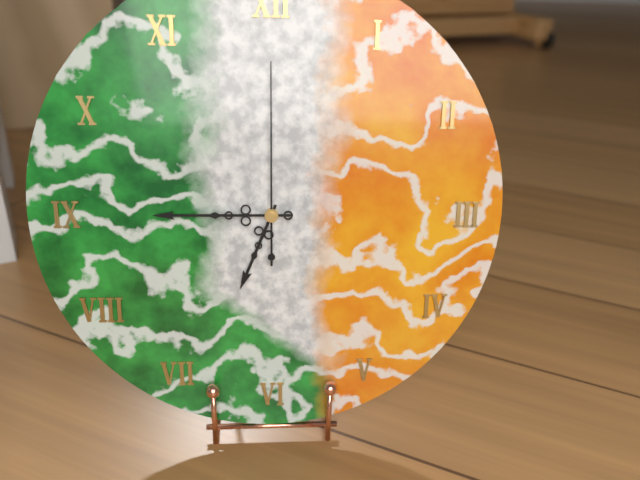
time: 6:45:00
